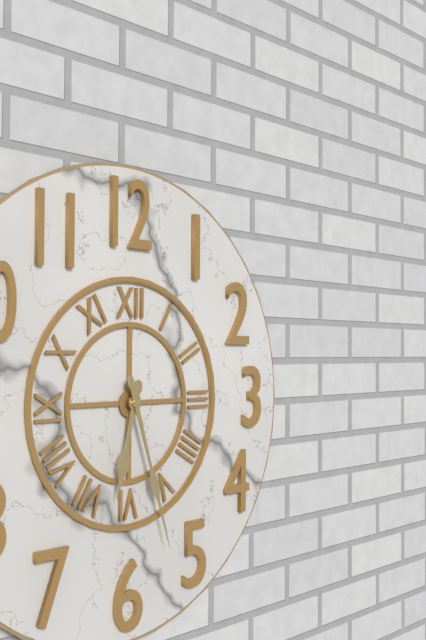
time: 6:27
